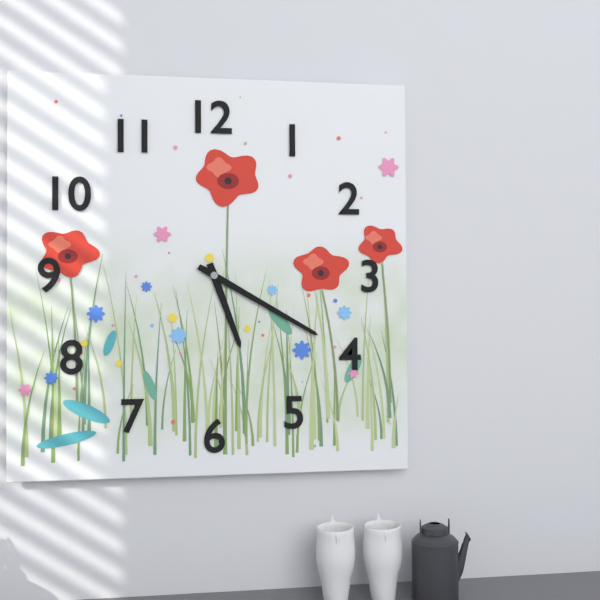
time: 5:20
